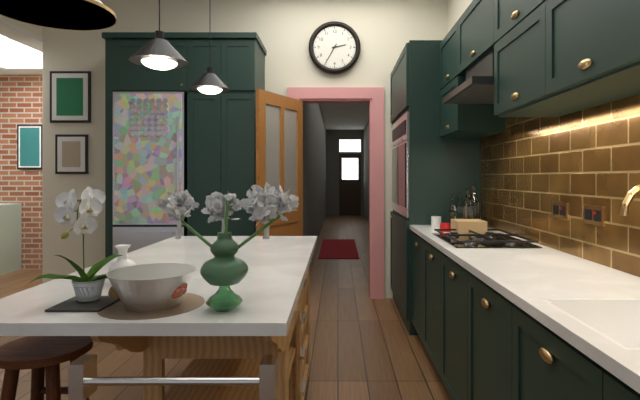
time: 2:35
